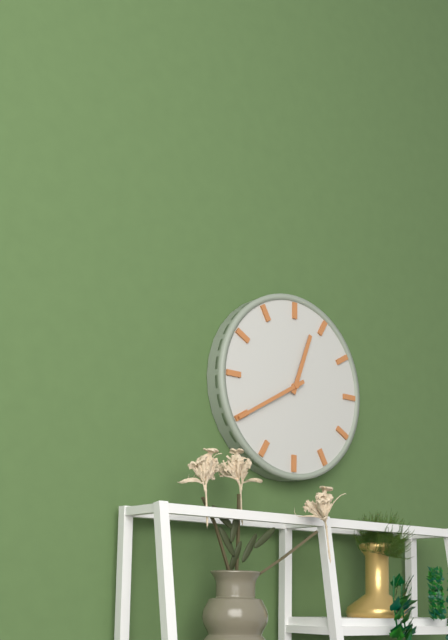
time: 12:40
